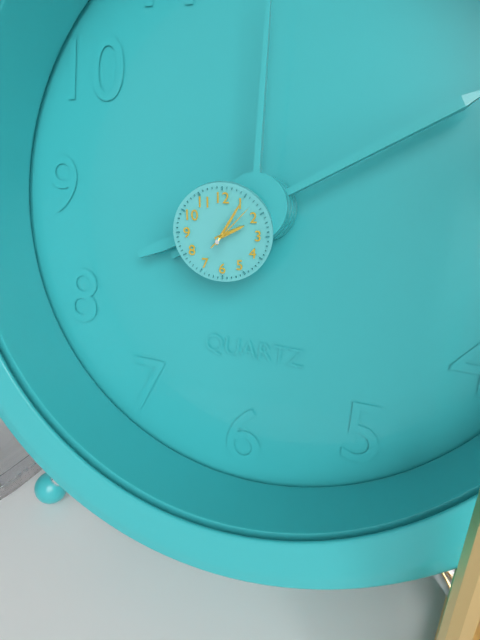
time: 2:05
